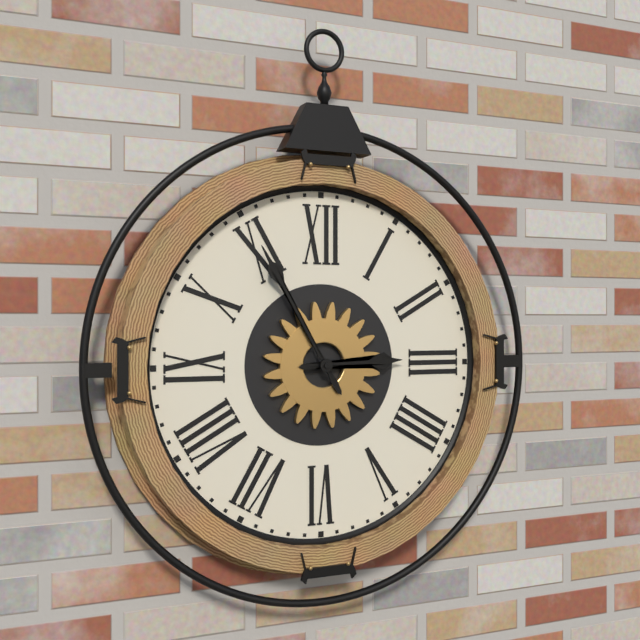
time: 2:55
